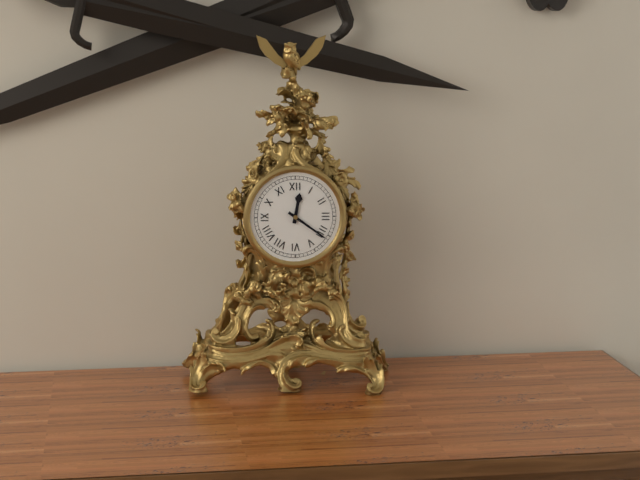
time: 12:21
